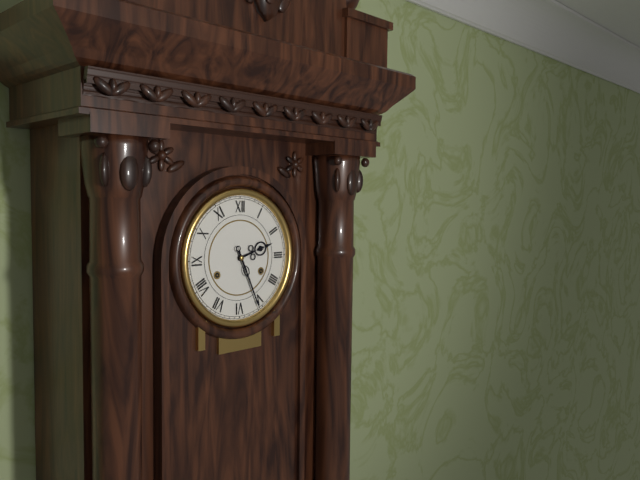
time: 2:26
